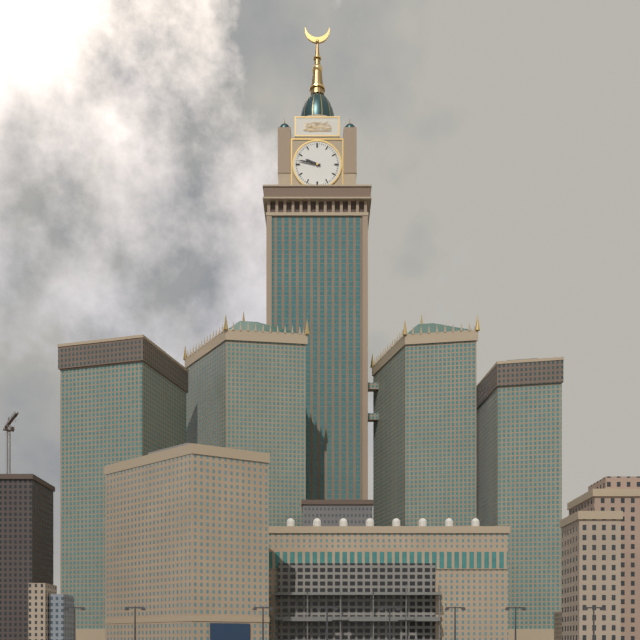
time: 9:47
